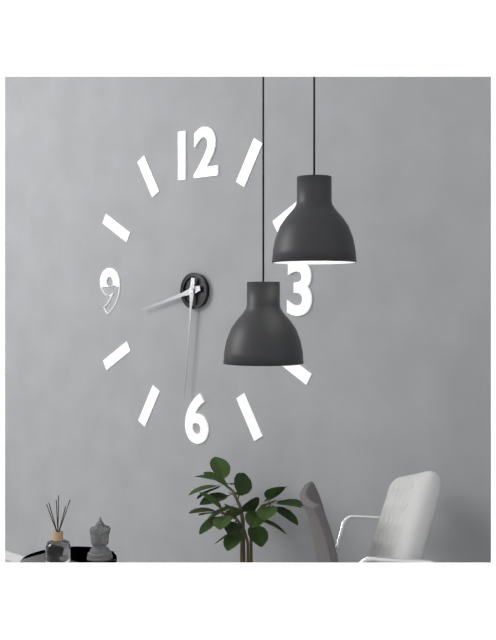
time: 8:31
